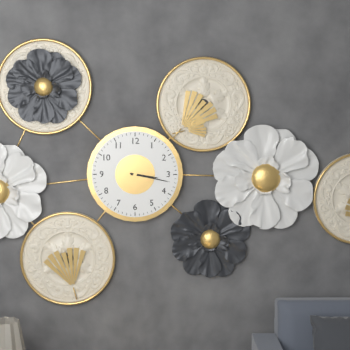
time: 3:17
